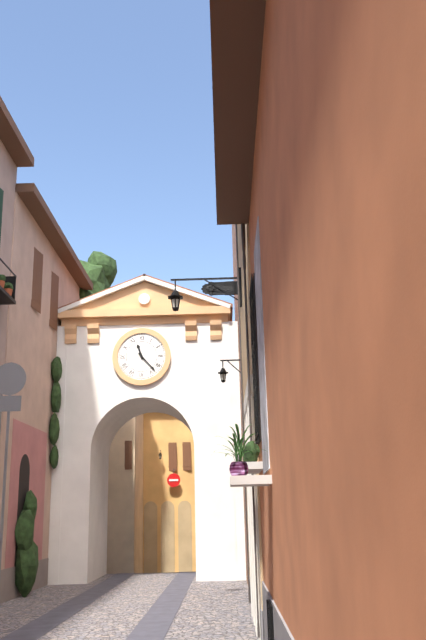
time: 11:23
